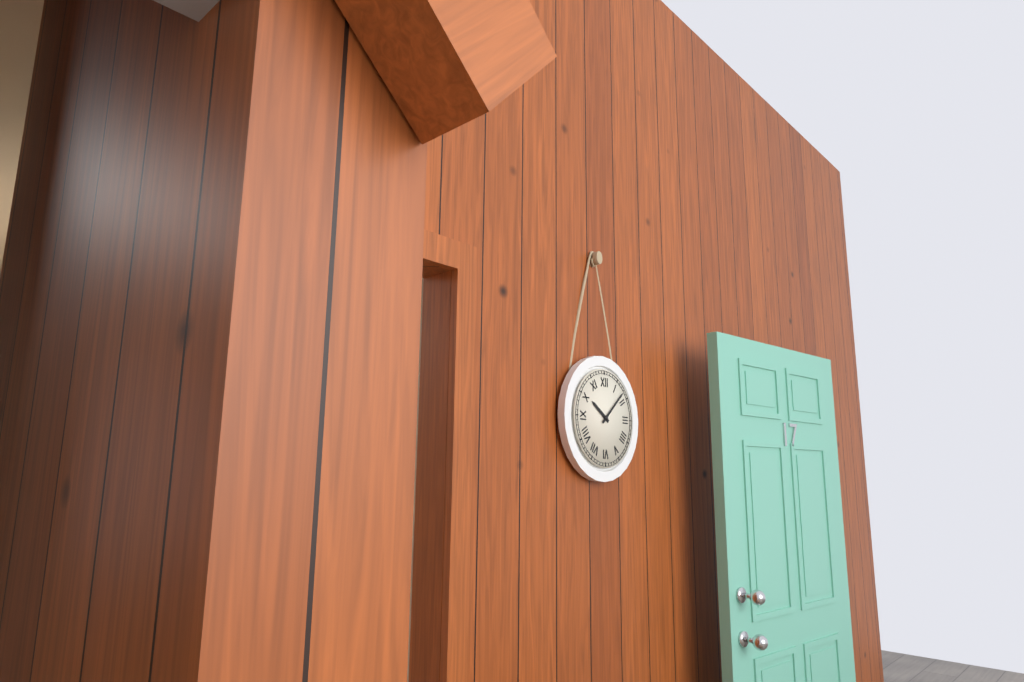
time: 10:08
